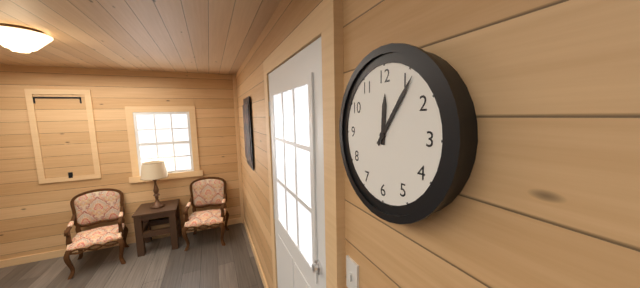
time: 12:06
